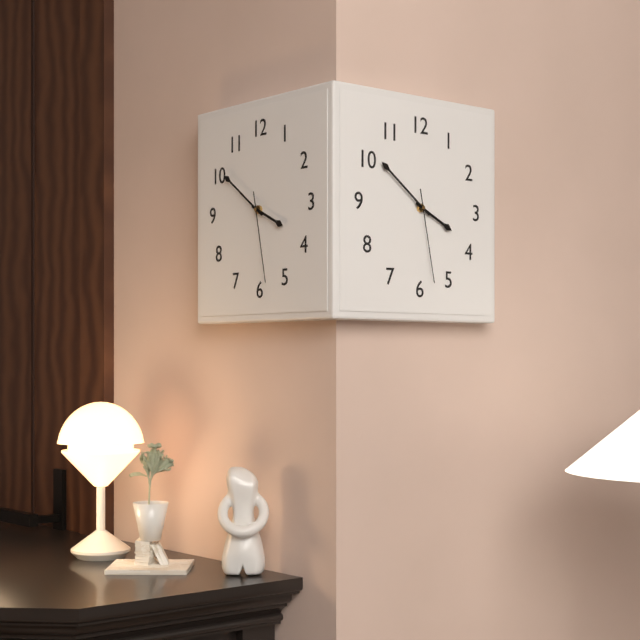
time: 3:51:28
